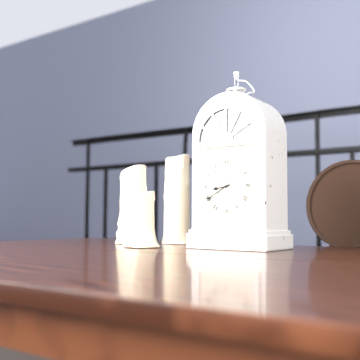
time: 8:40
